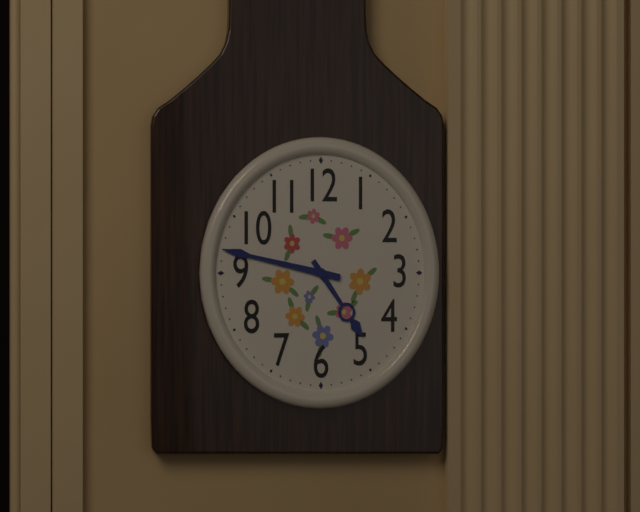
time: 4:47
